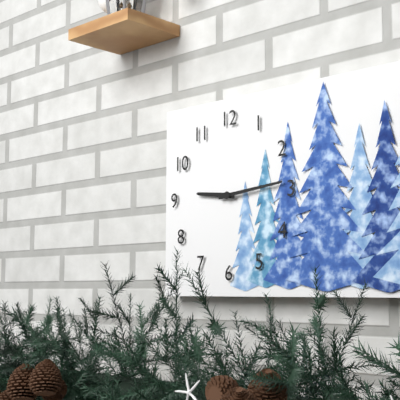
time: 9:14
